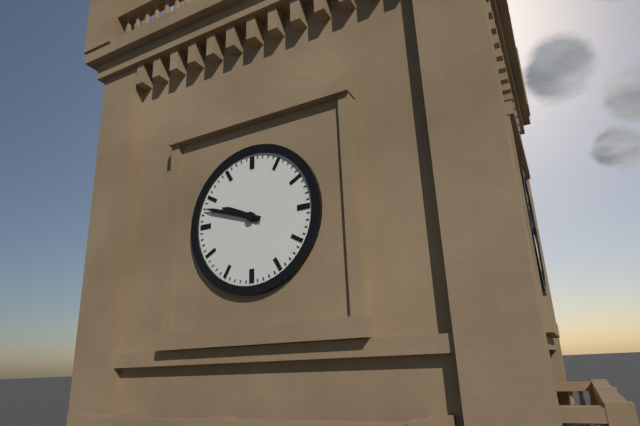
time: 9:48
